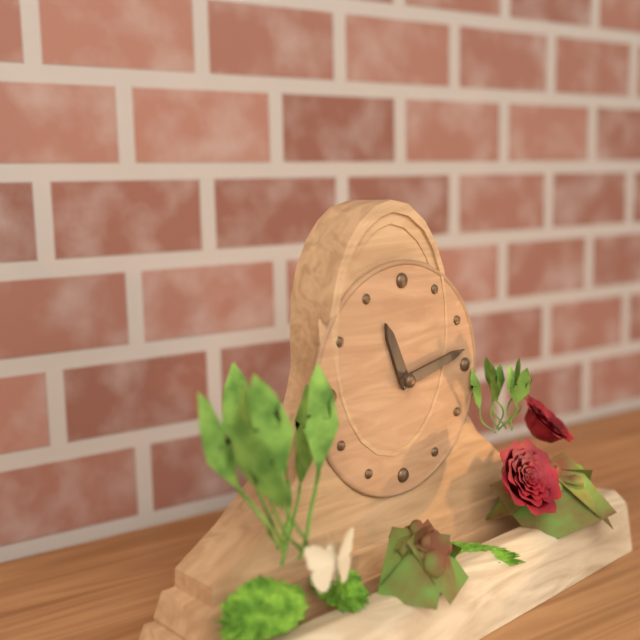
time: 11:13
